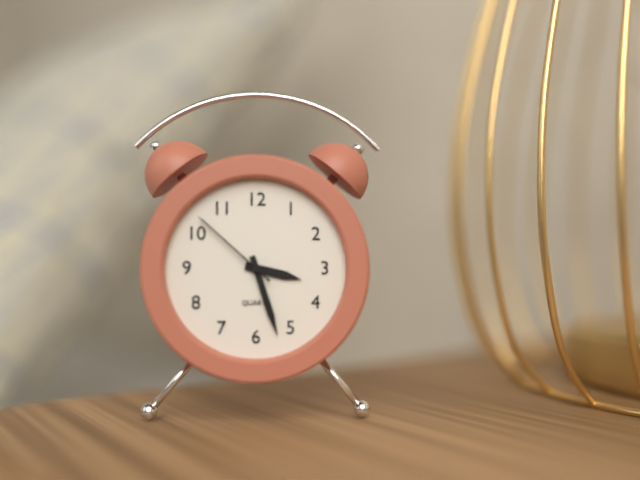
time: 3:27:52
